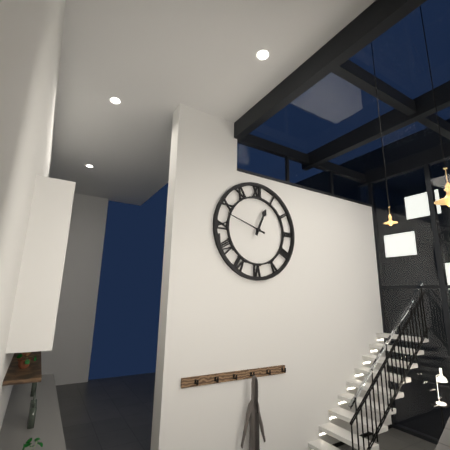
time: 12:48
